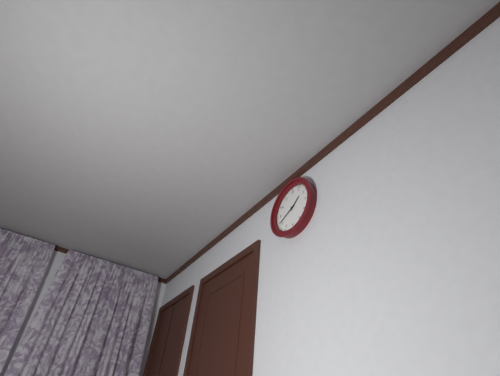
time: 1:41
